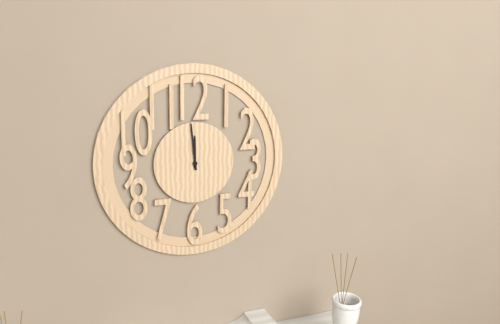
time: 11:59
